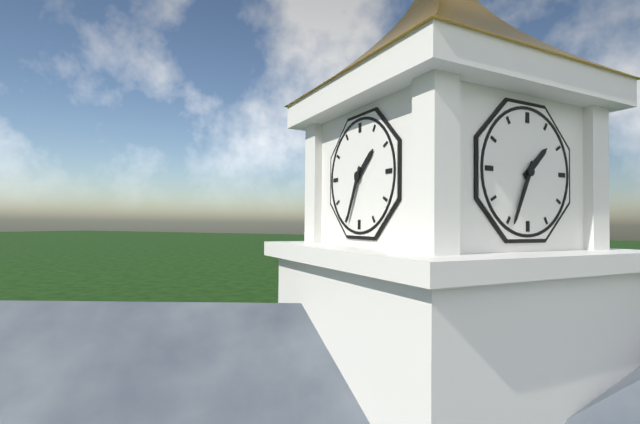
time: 1:34
